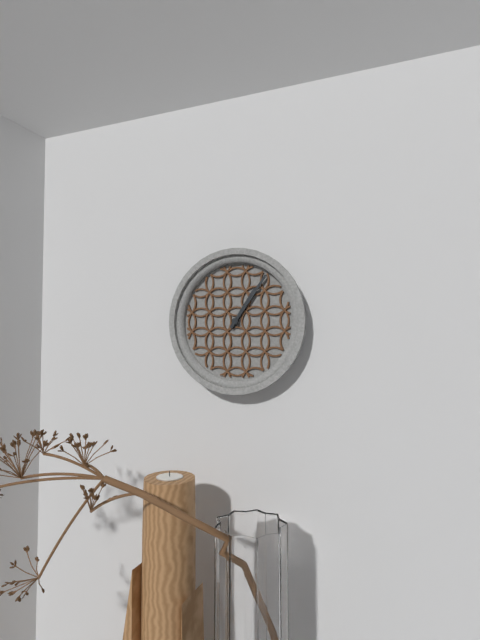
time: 1:06
